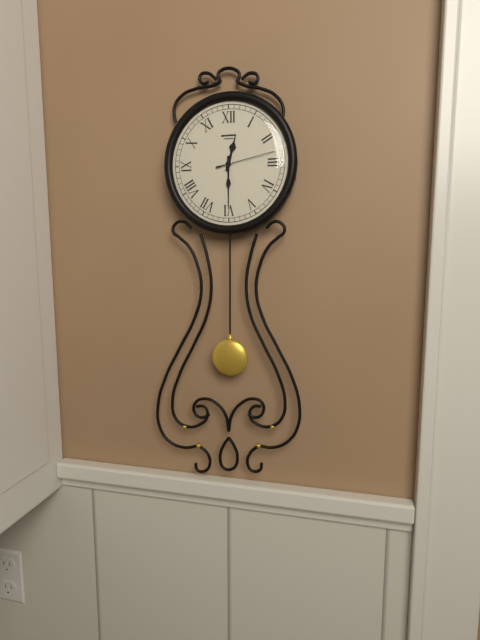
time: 12:30:13
